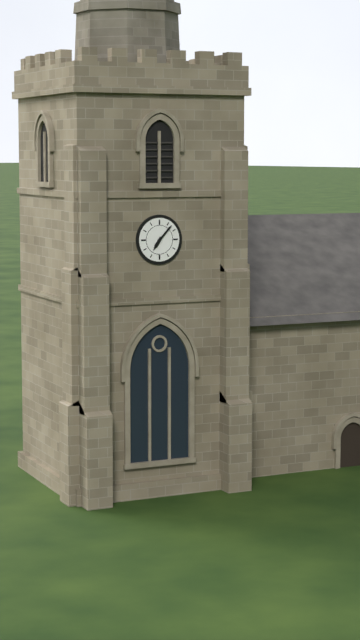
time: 7:07
